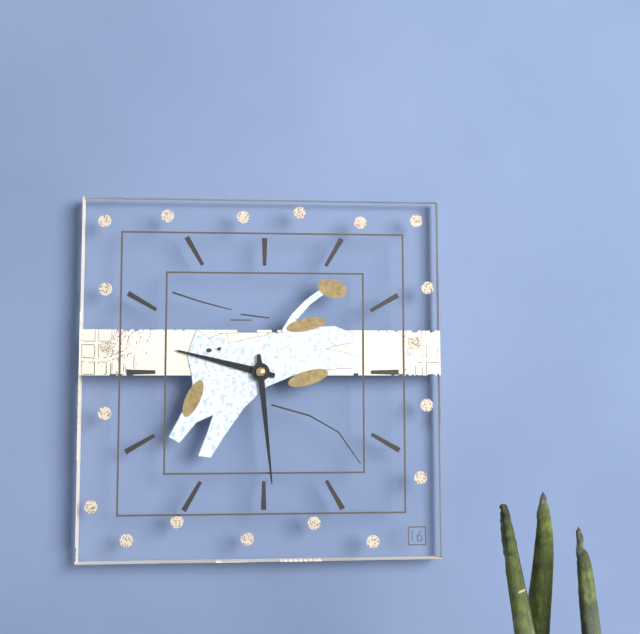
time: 9:29
